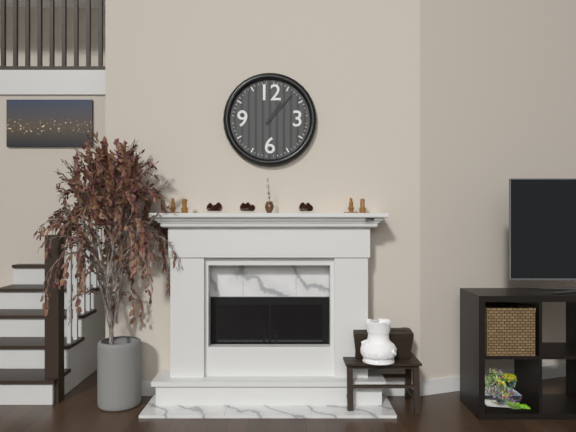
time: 1:07
